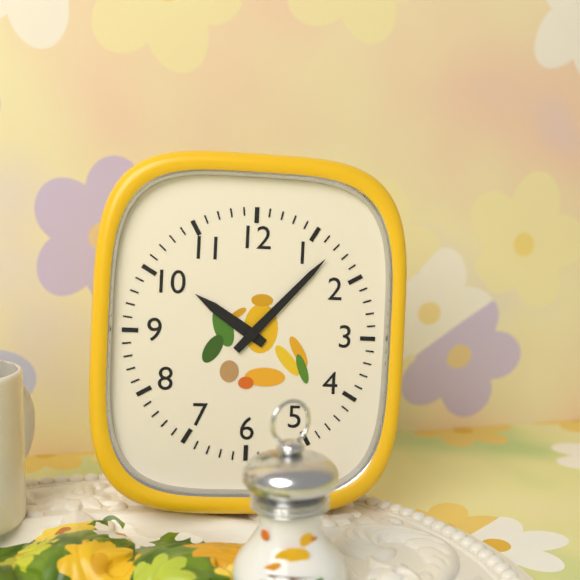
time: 10:07
